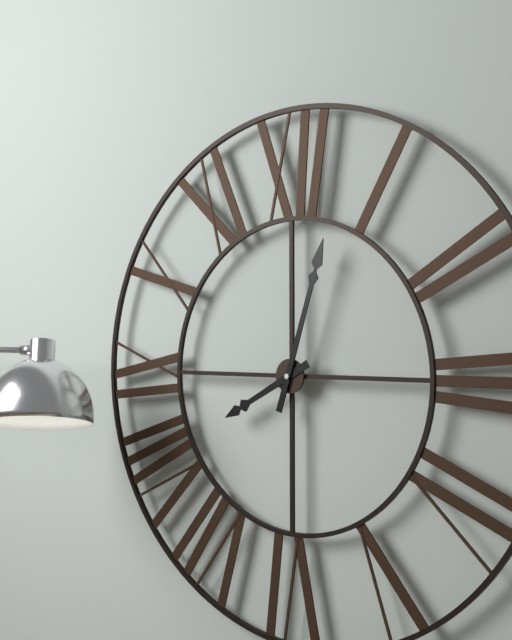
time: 8:03
